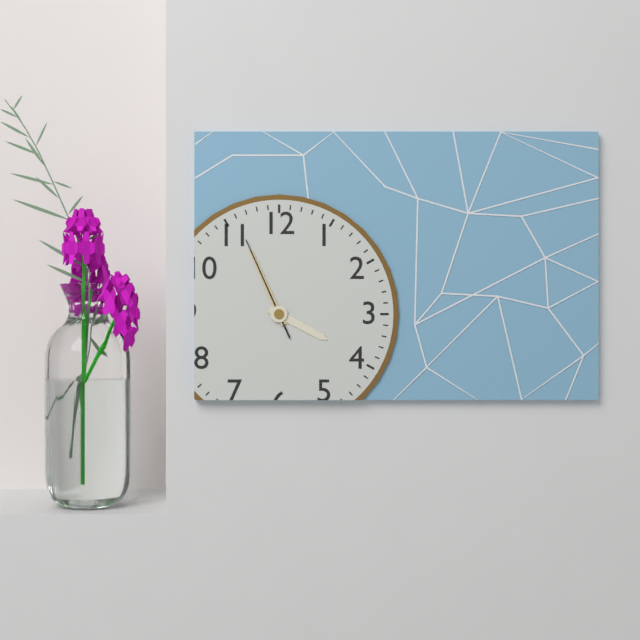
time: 3:56:56
